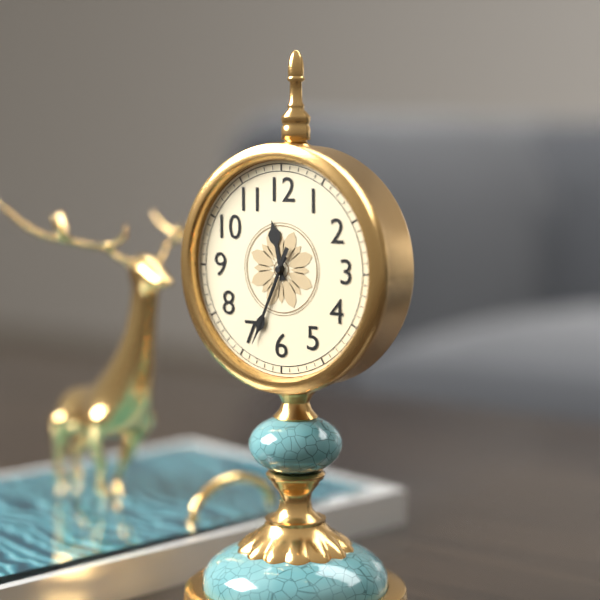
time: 11:34:34
